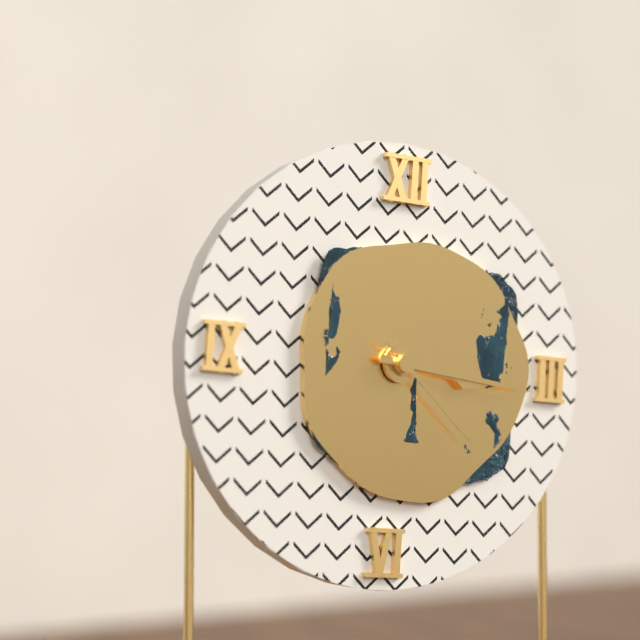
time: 3:16:22
